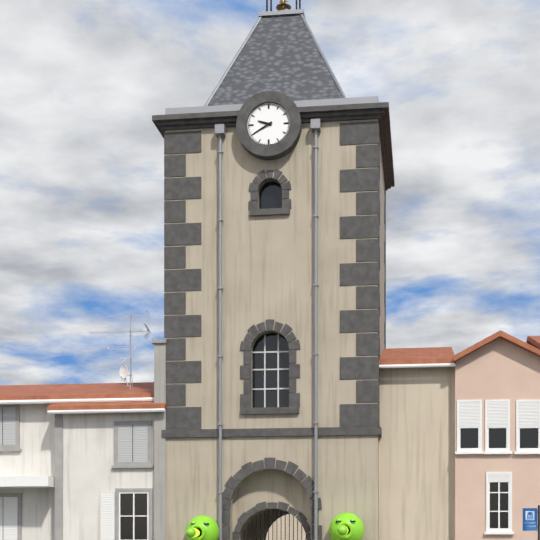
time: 9:40
